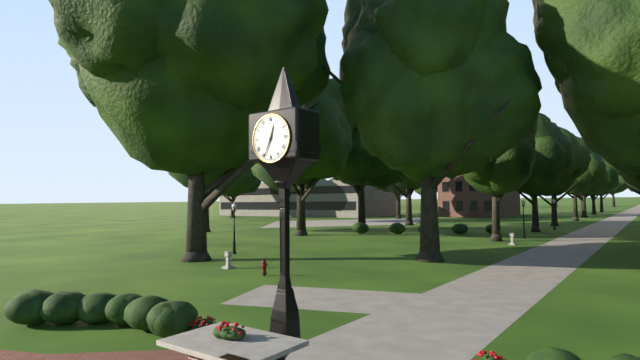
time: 12:34
